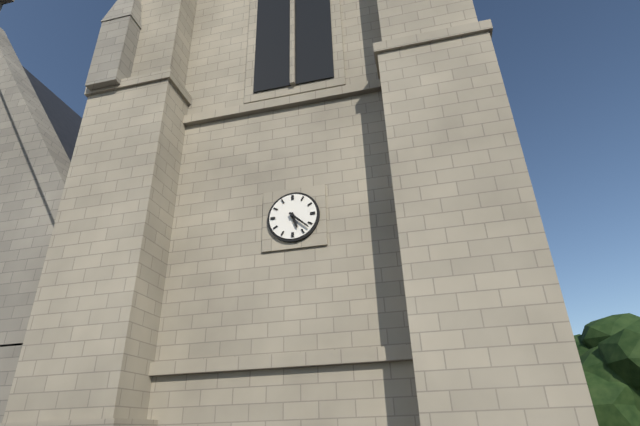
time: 5:22
